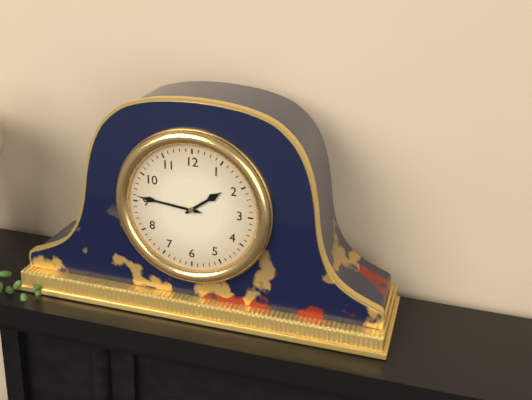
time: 1:46
